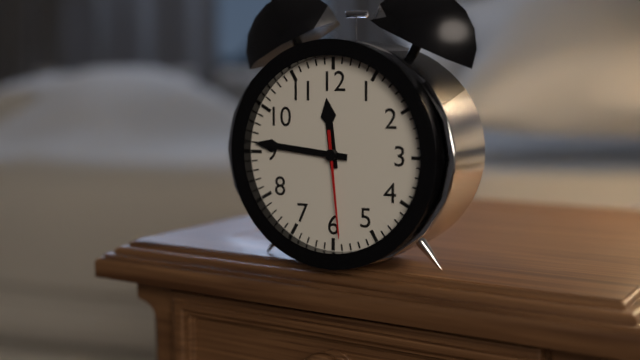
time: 11:46:29
